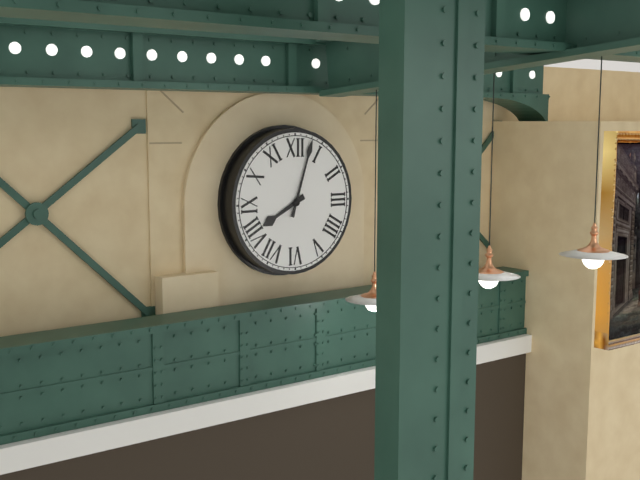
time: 8:03
